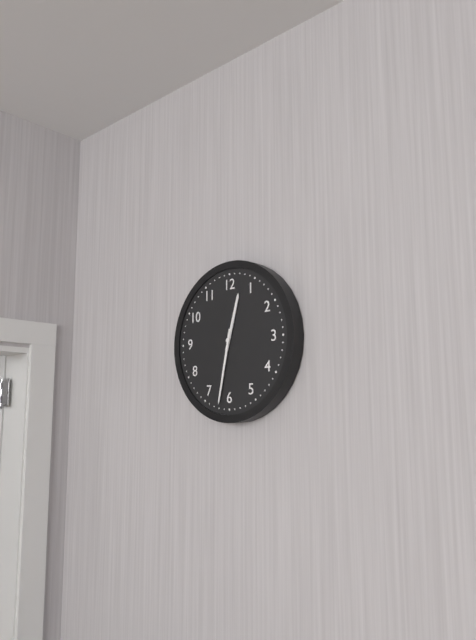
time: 12:32
